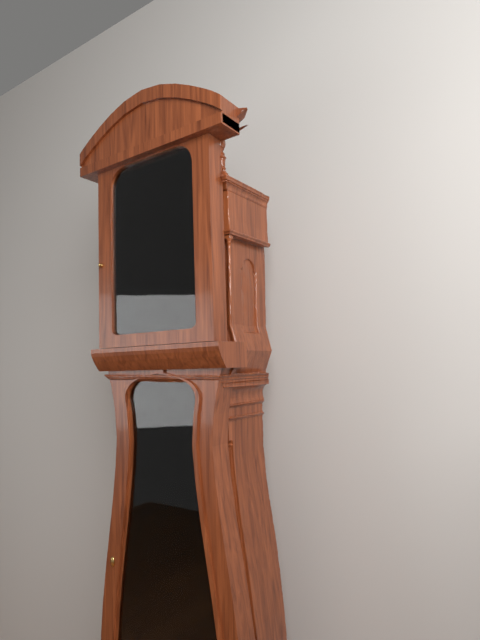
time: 11:09
